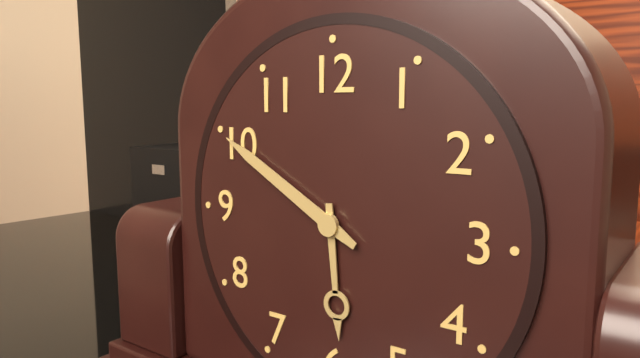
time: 5:50
